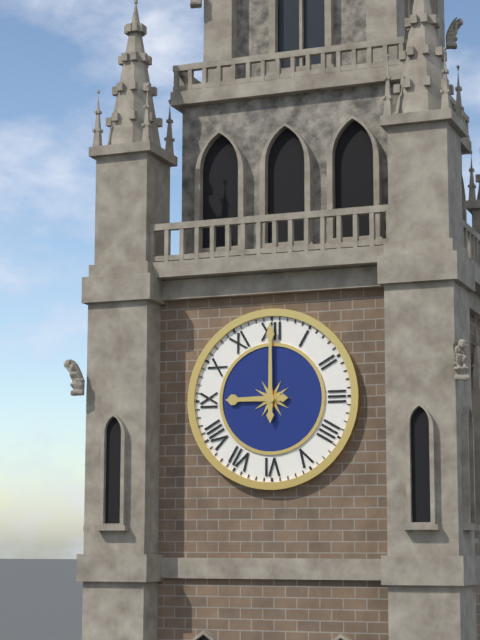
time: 9:00
